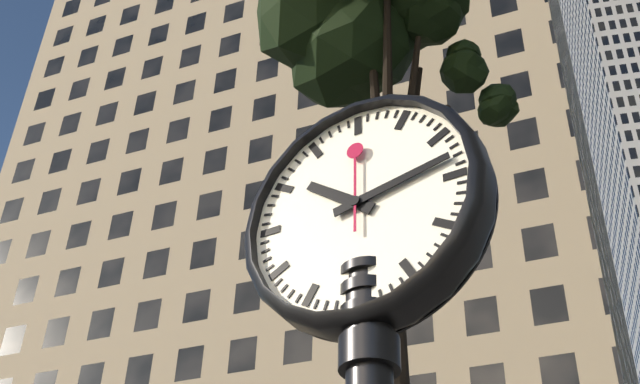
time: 10:13:00
